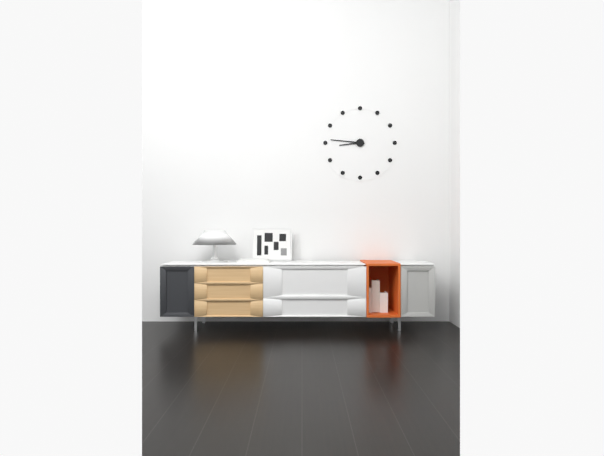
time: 8:46
